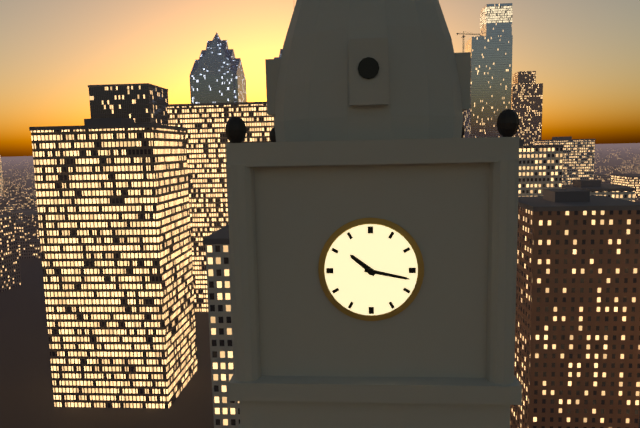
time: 10:17
